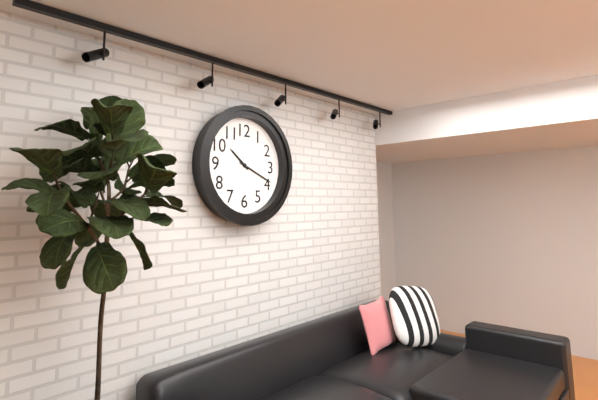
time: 10:19
